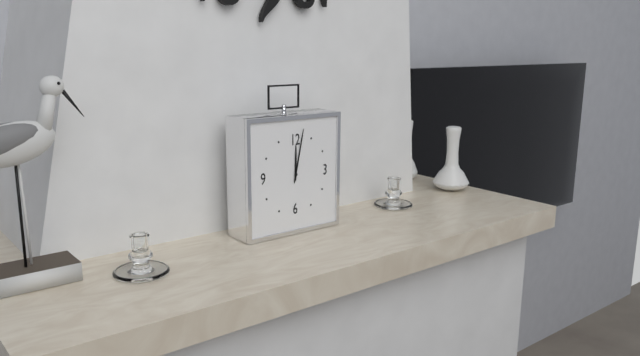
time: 12:02
